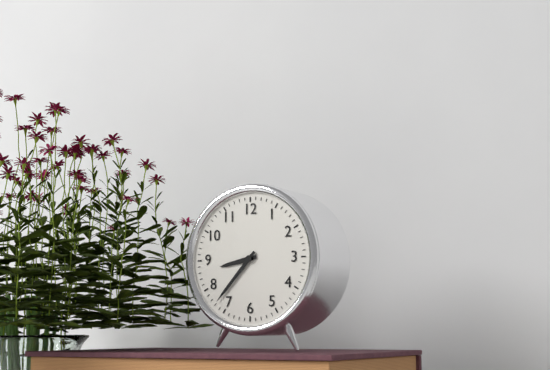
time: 8:37
